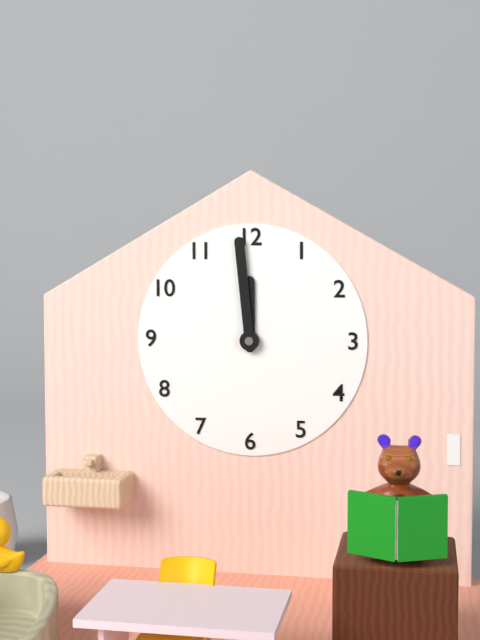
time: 11:59
